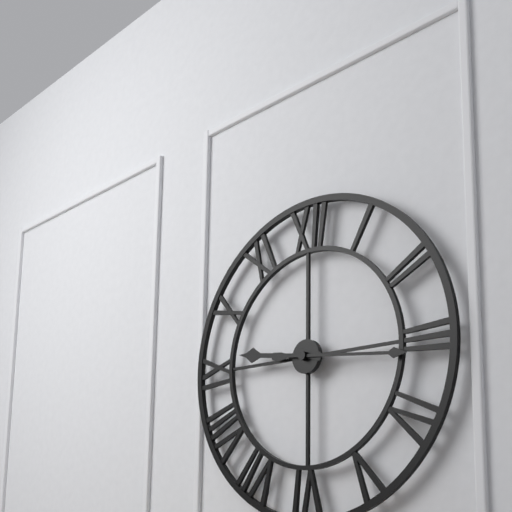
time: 9:16
